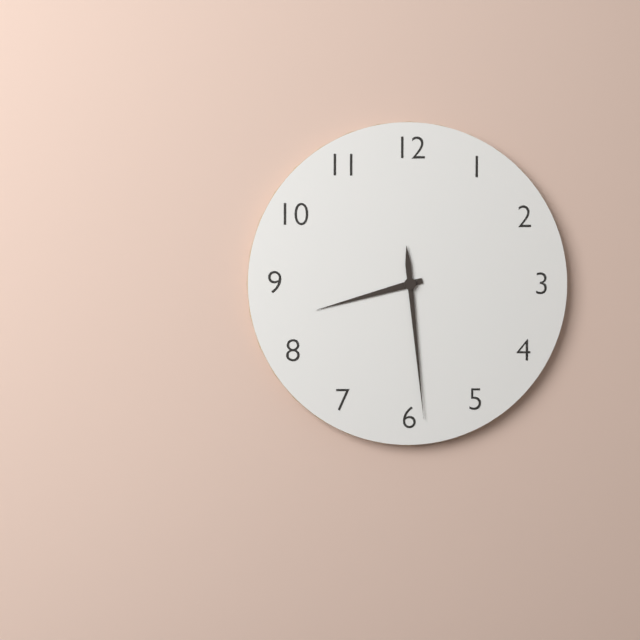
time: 8:29
